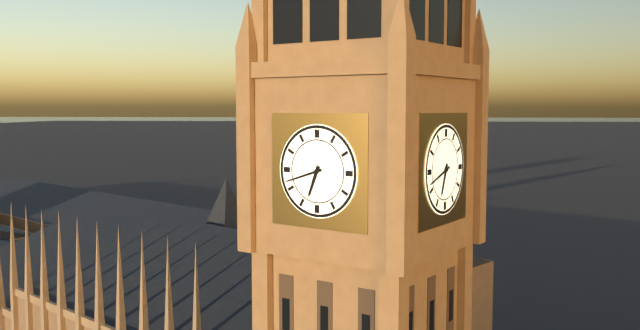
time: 6:42
